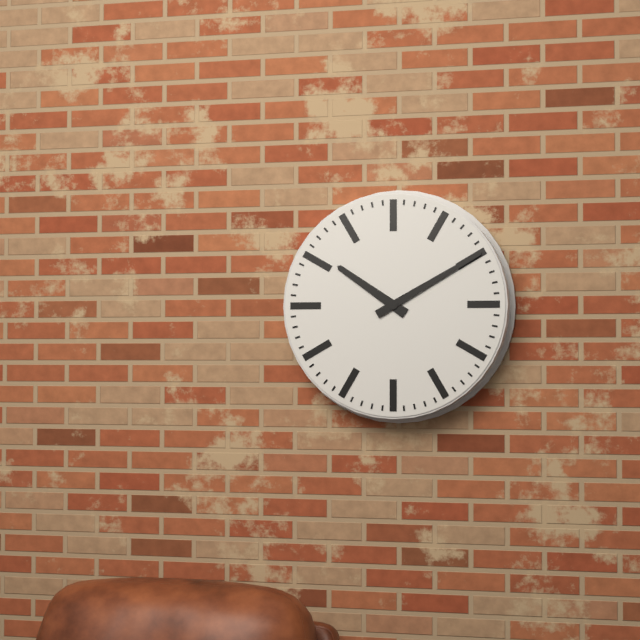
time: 10:10
